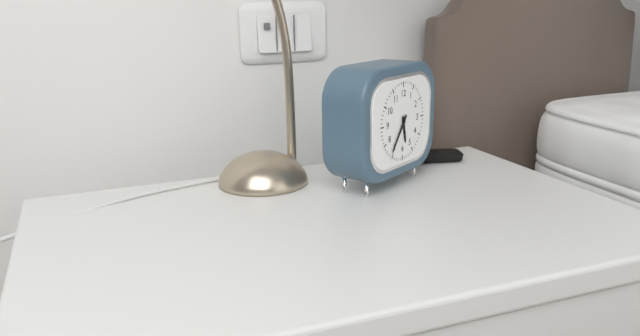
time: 5:36
